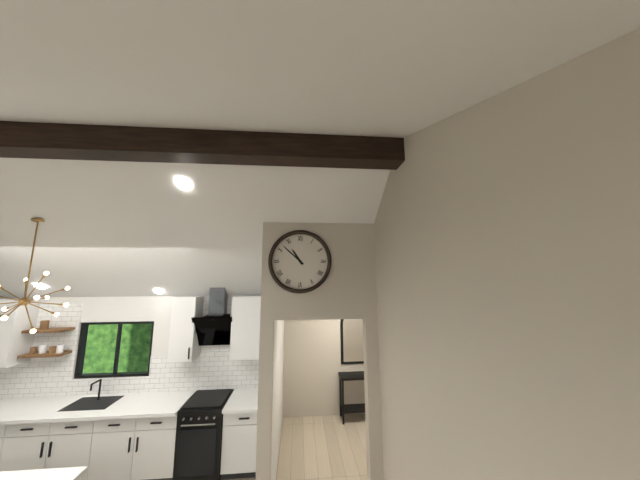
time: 10:52
